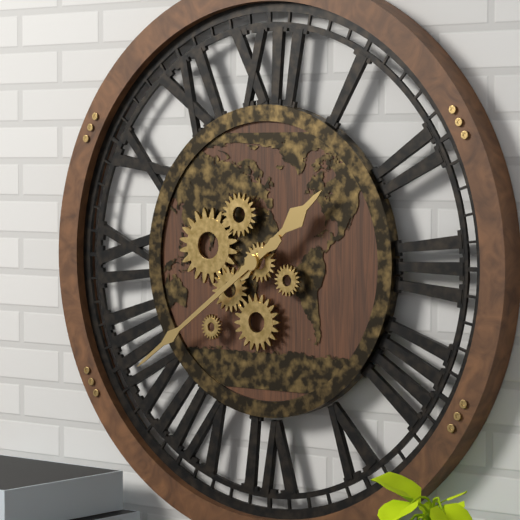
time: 1:39
